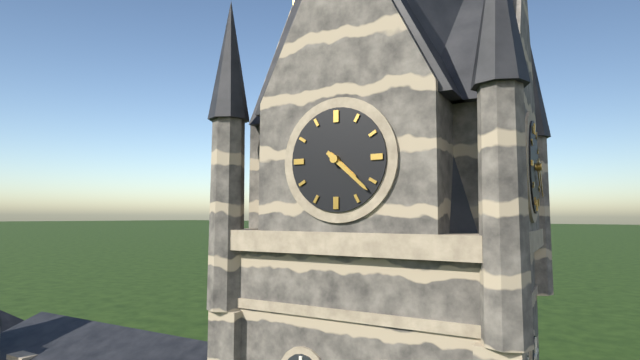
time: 4:22
